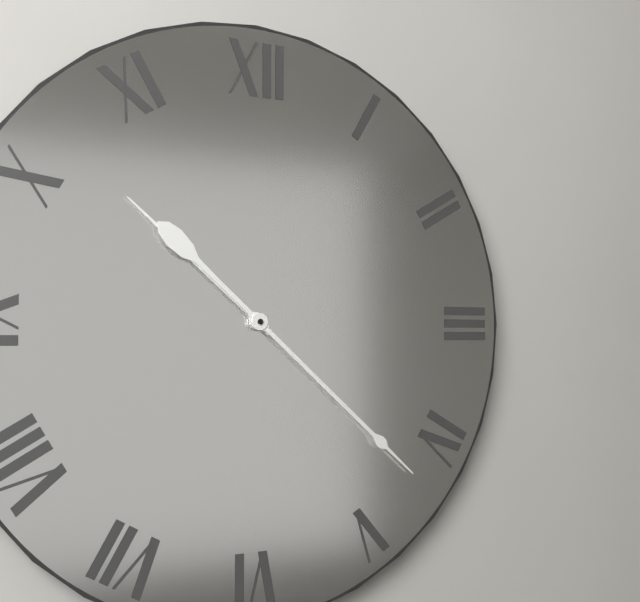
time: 10:22
